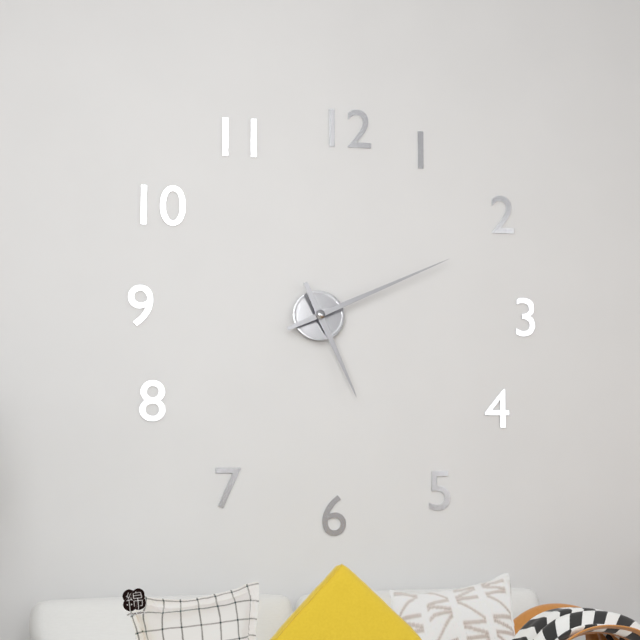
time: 5:11
